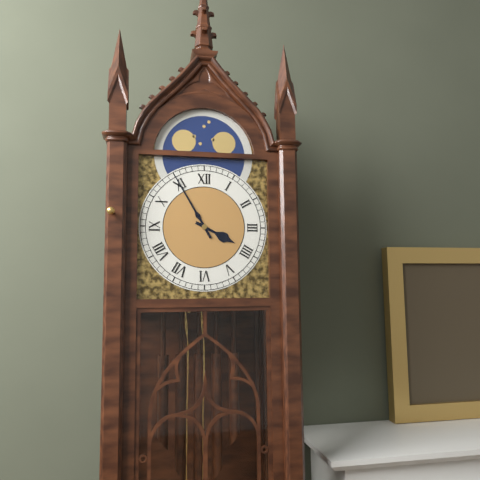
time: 3:55
